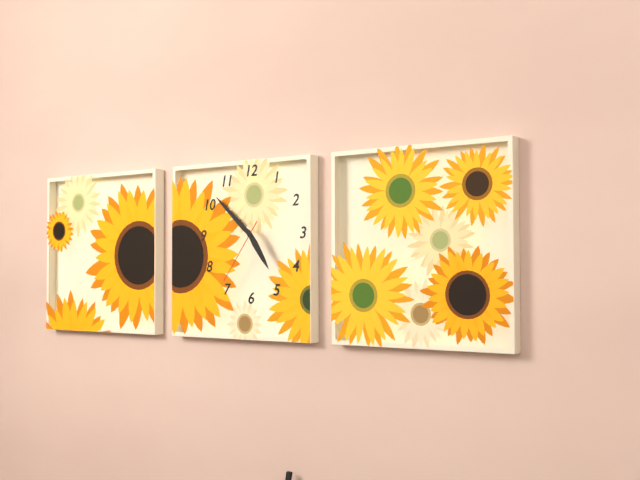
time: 4:52:36
